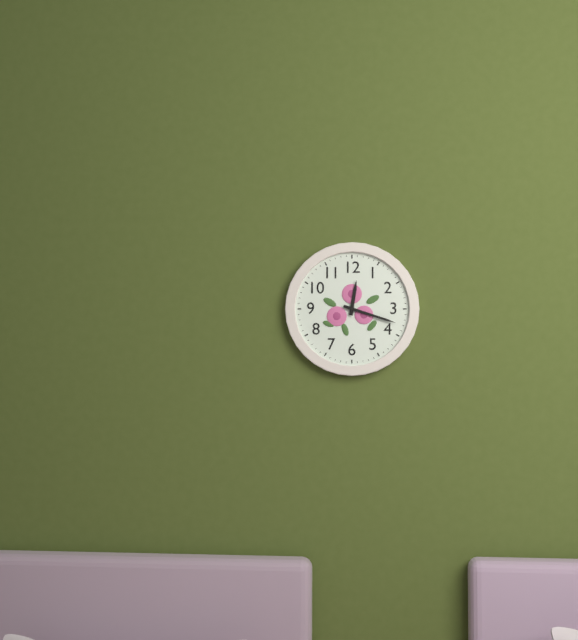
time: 12:18
